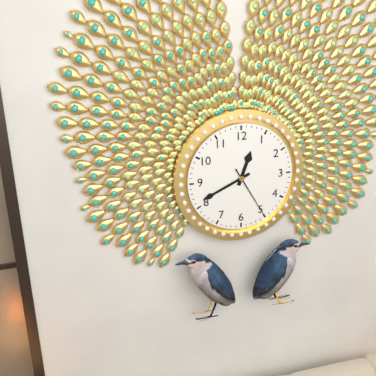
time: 12:41:25
